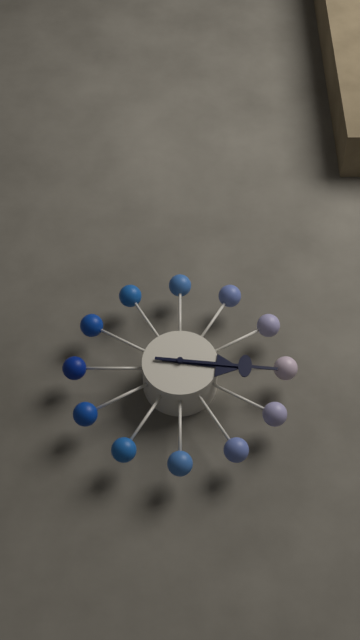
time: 3:16
